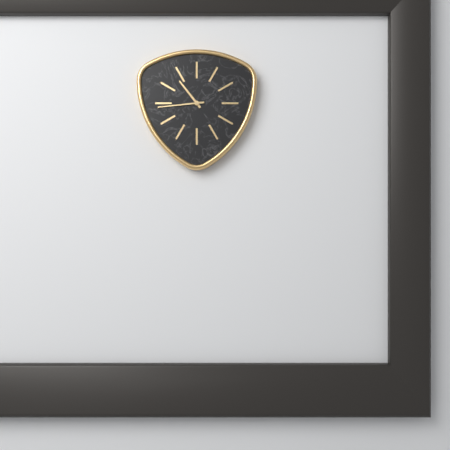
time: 10:44
